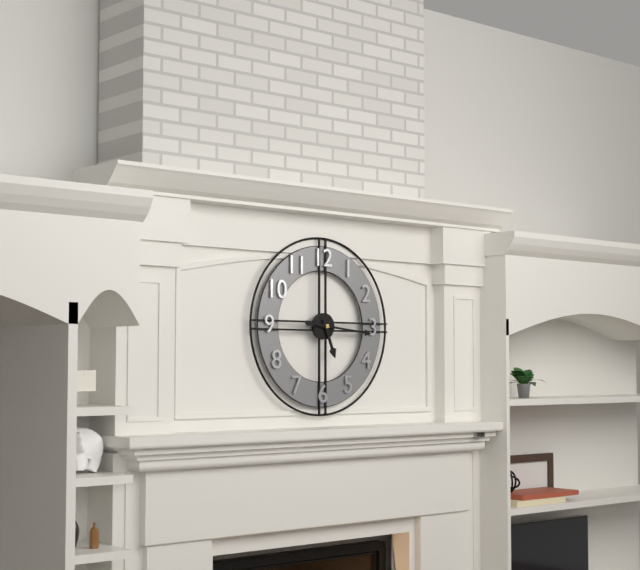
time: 5:16
